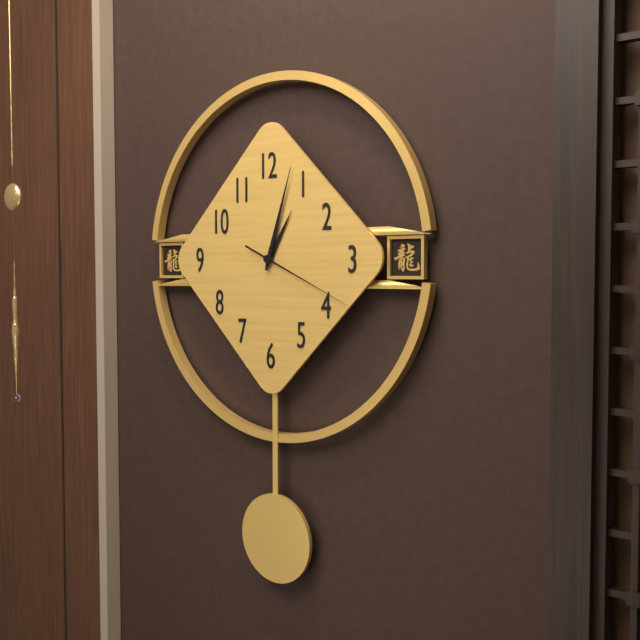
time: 1:03:19
